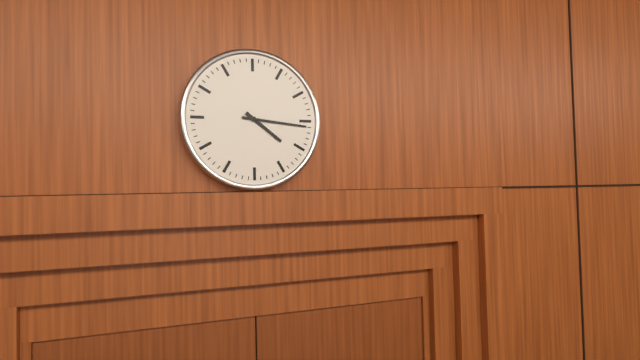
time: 4:16
